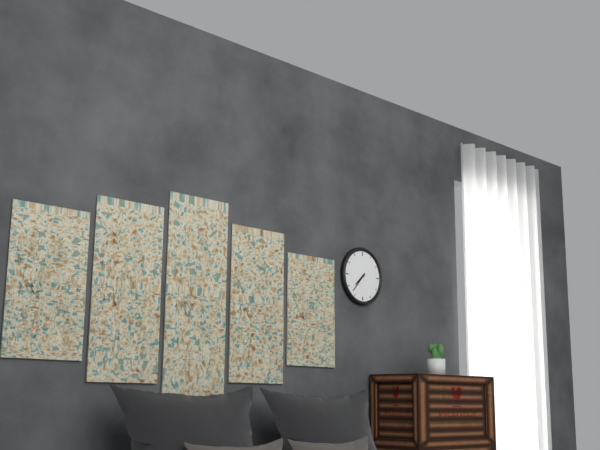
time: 7:37
